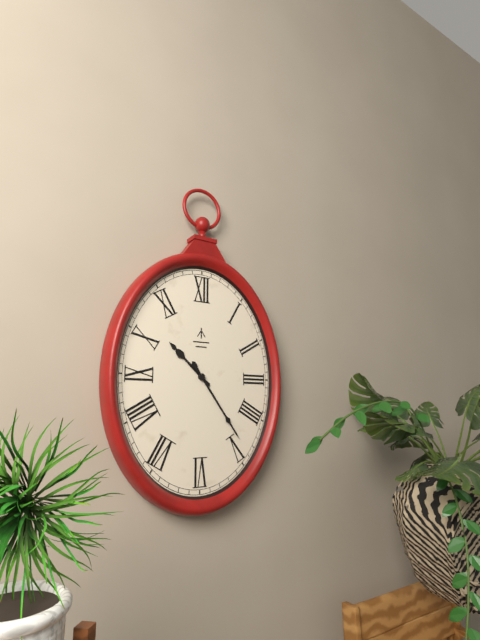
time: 10:24
